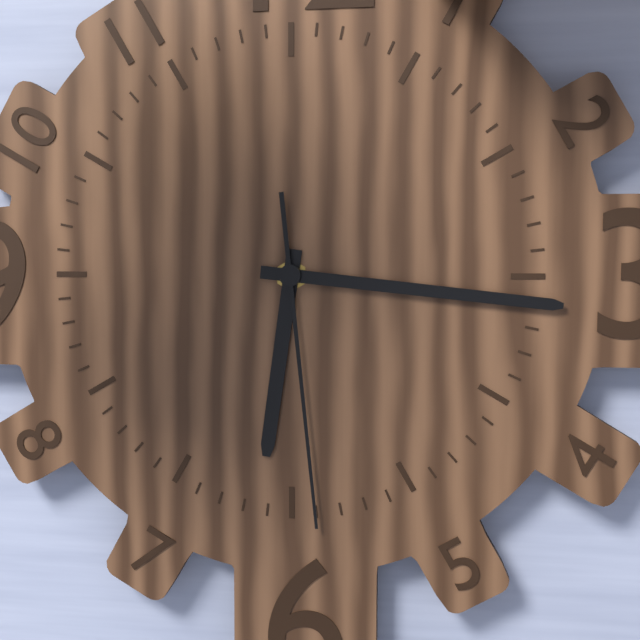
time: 6:16:29
